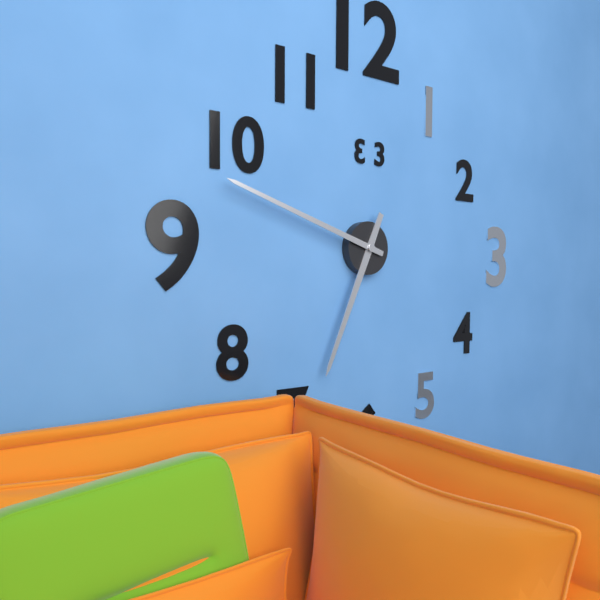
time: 6:48
